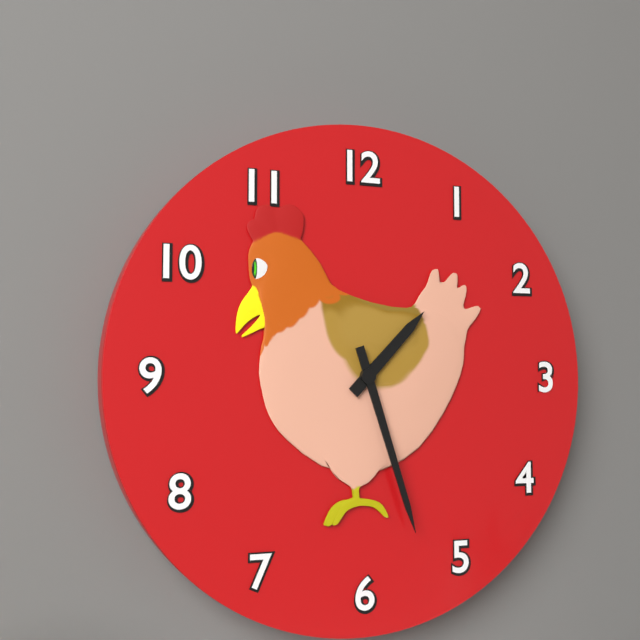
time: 1:27
